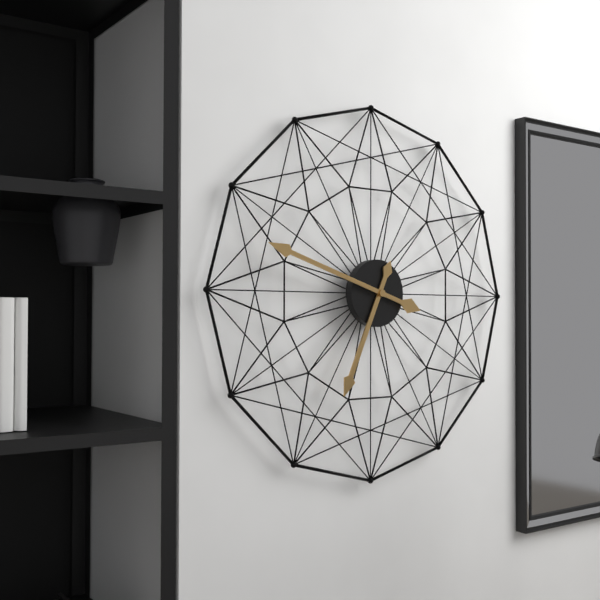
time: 6:48
